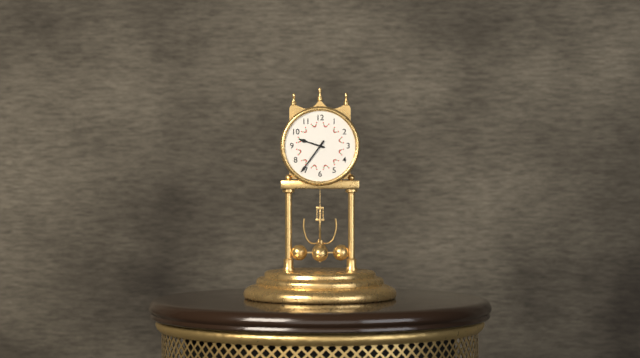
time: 9:36
